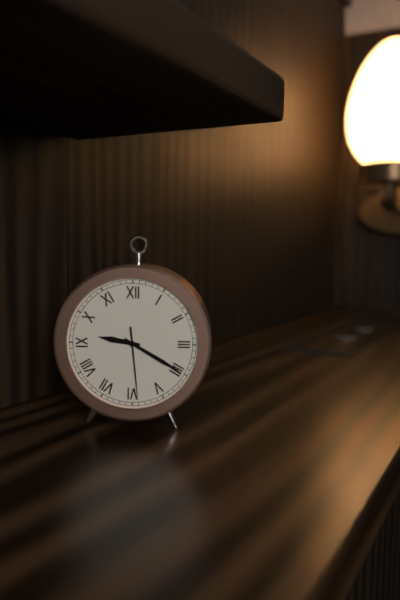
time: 9:20:29
